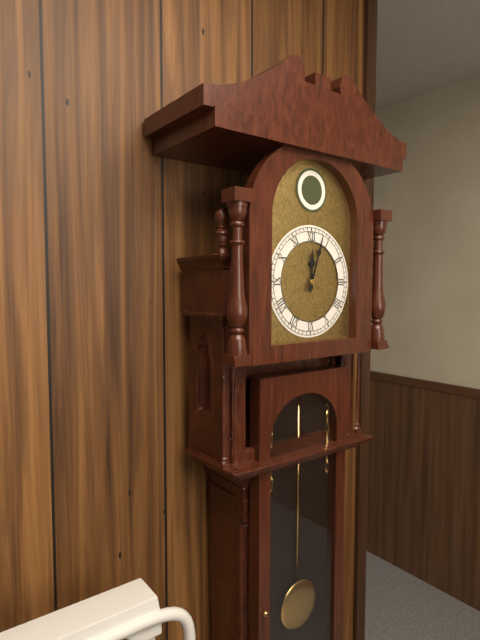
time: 12:03
